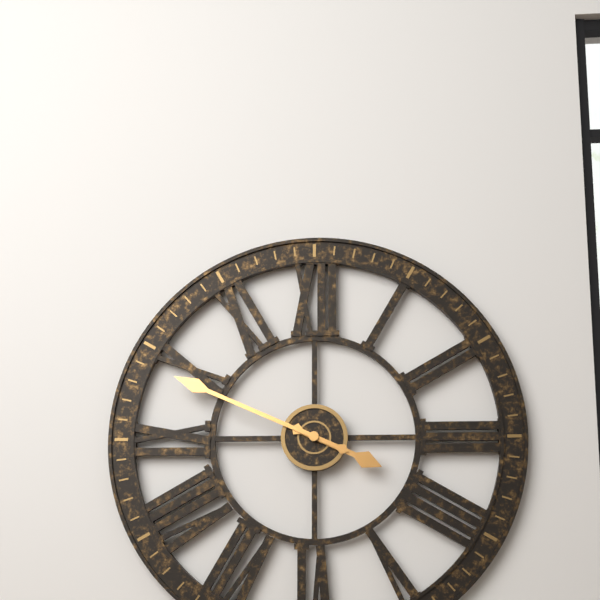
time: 3:49
